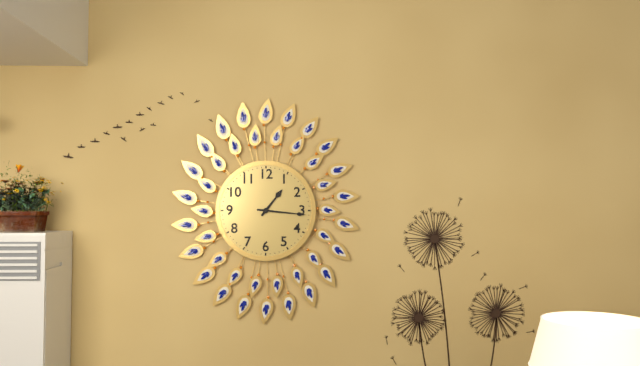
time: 1:16
